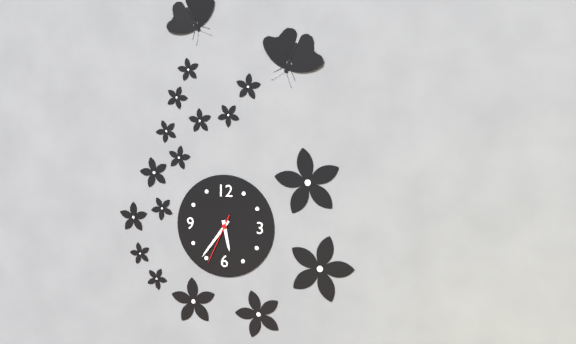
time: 5:36:34
